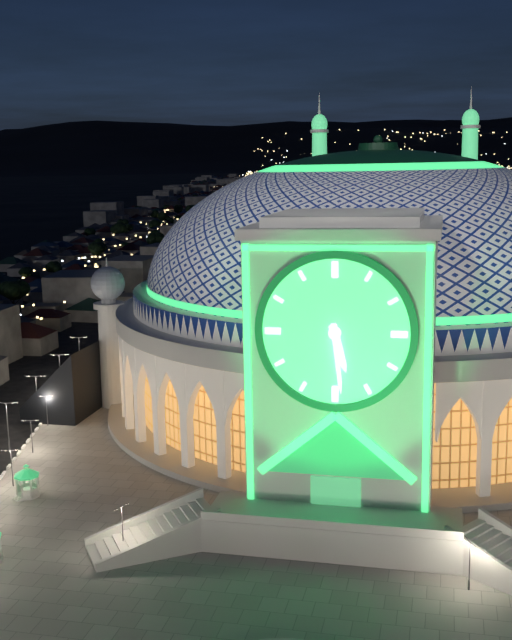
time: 5:29
